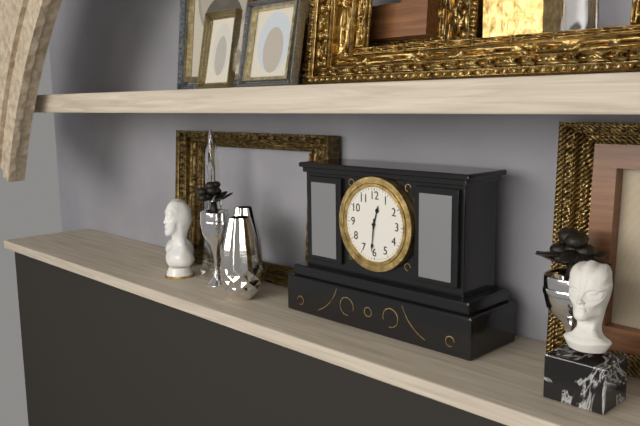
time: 12:31
